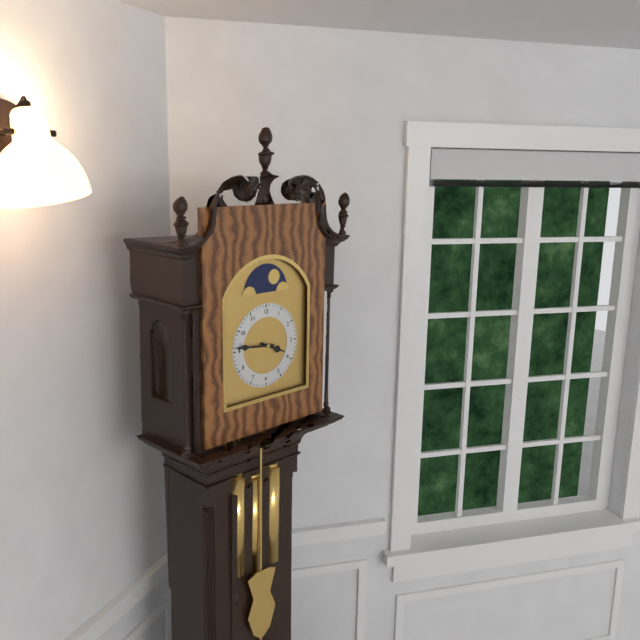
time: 3:46
